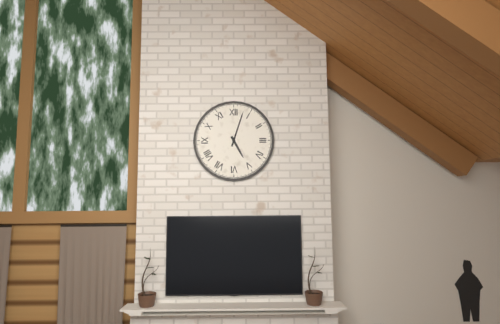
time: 5:03
